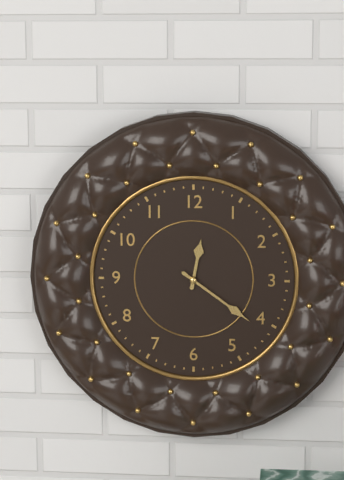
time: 12:21
